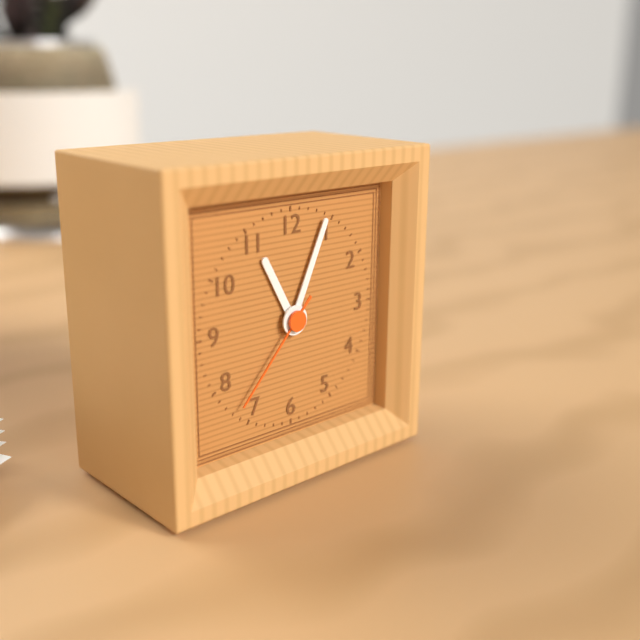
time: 11:04:37
